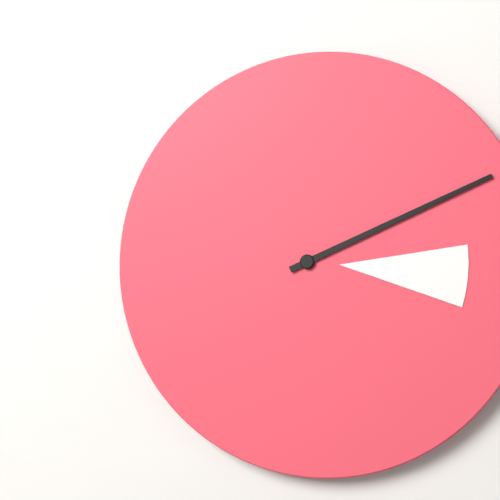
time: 3:11
